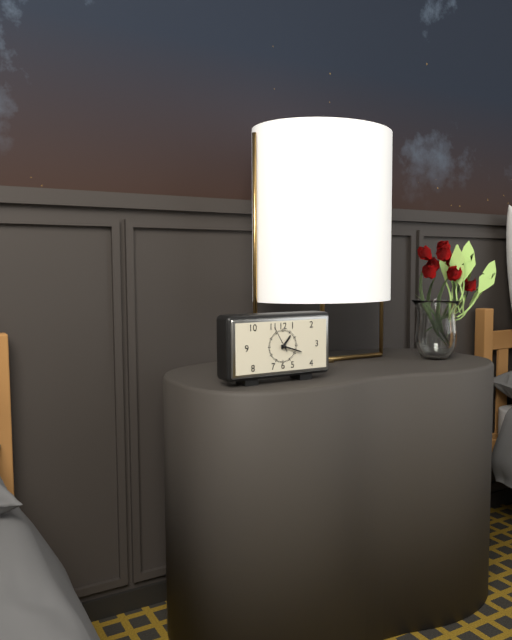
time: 1:18
